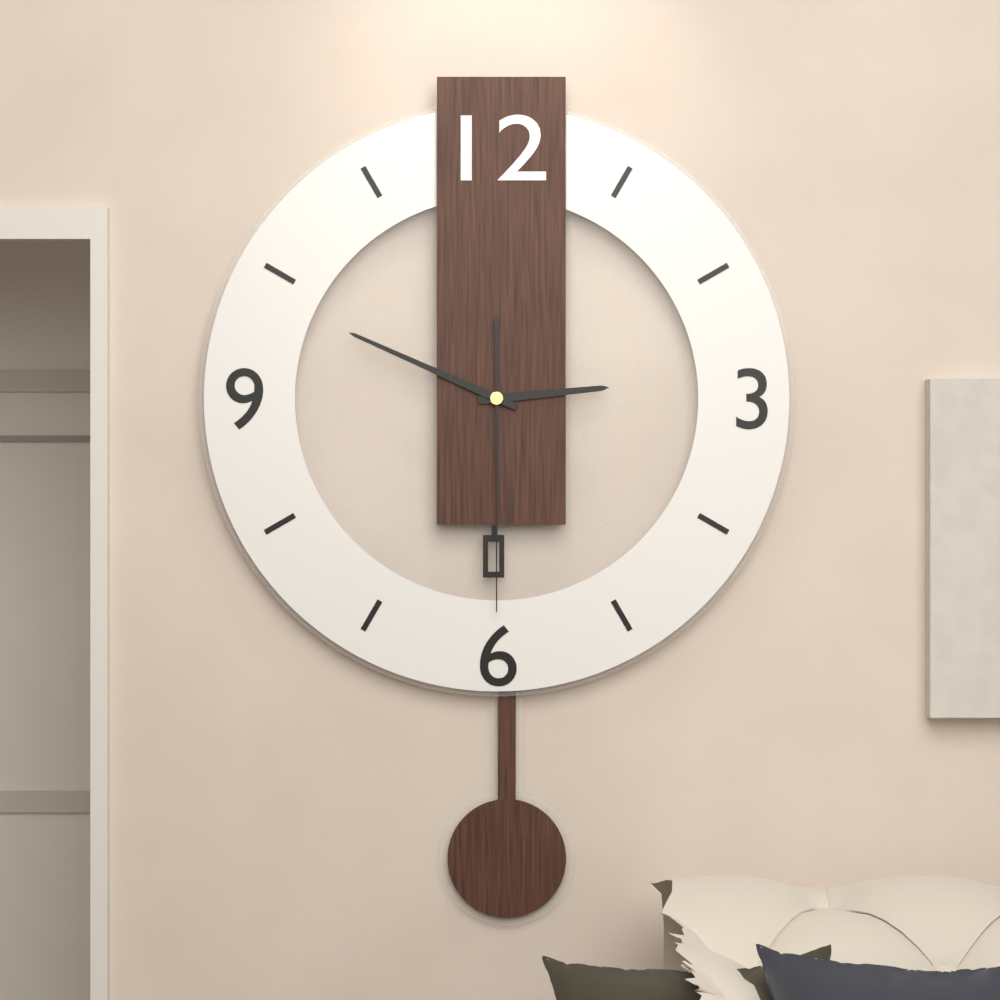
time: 2:49:30
